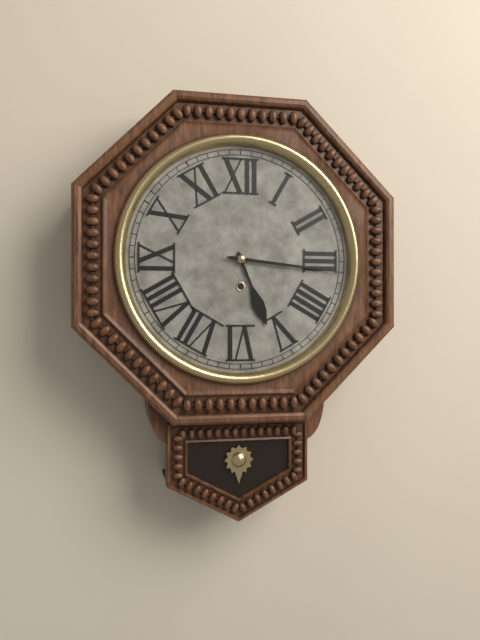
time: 5:16
